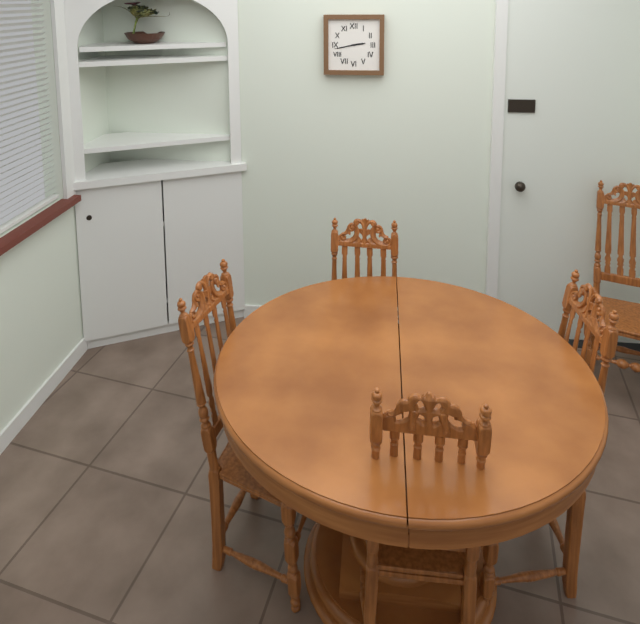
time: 2:43
